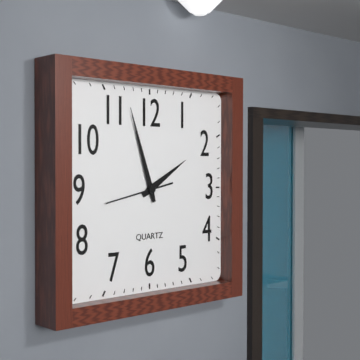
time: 1:57:43
